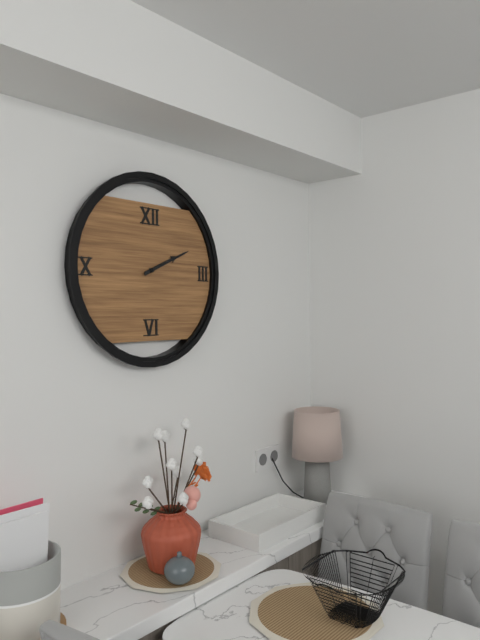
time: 2:11
